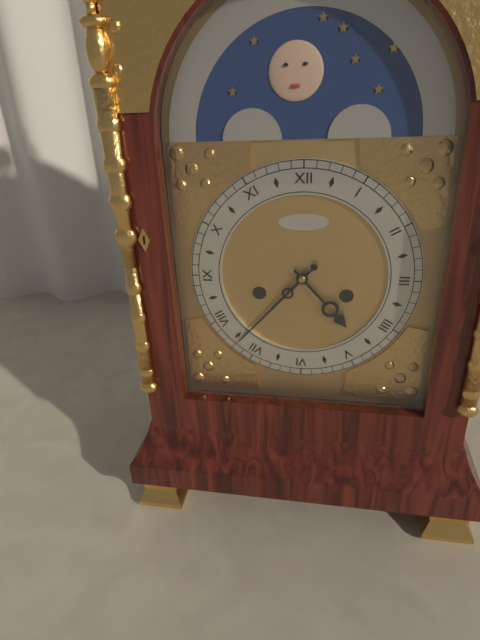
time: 4:37
